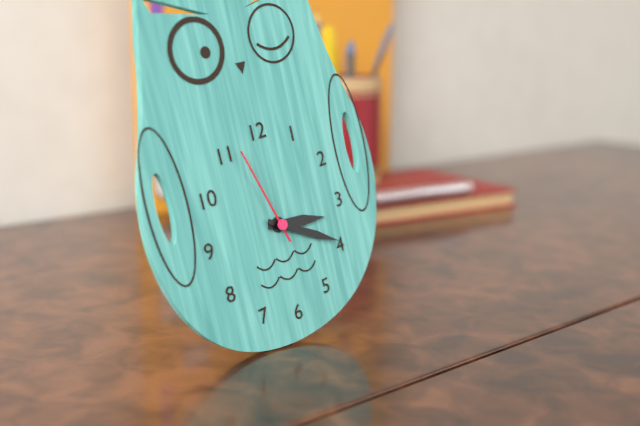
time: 3:20:57
